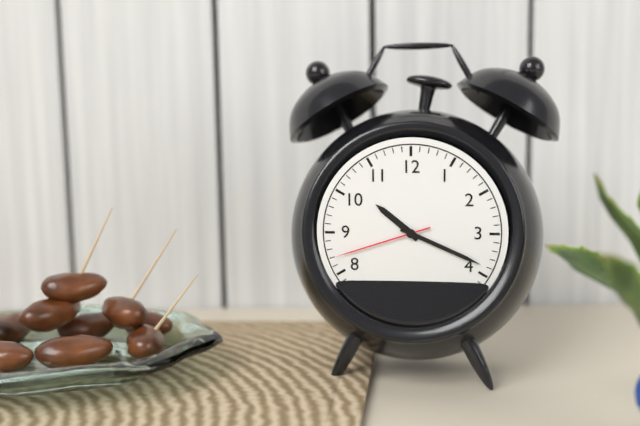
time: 10:19:42
